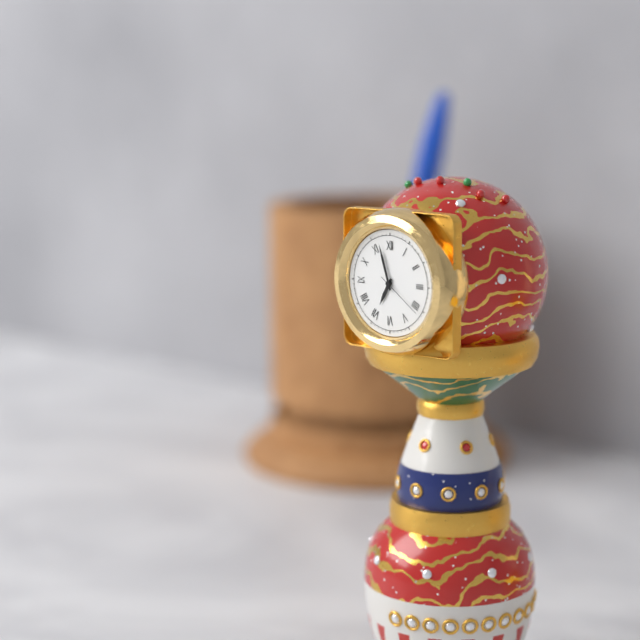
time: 6:57:21
